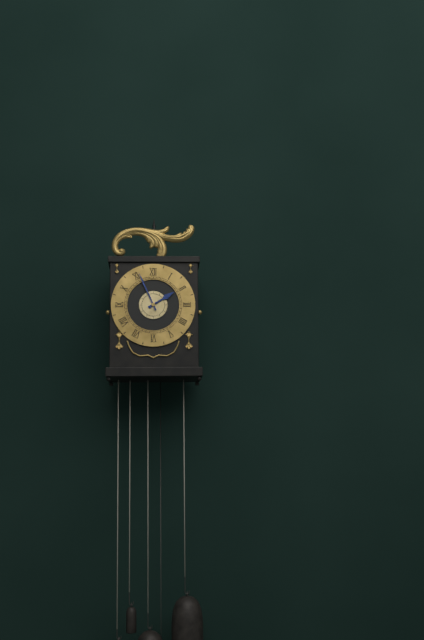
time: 1:56
